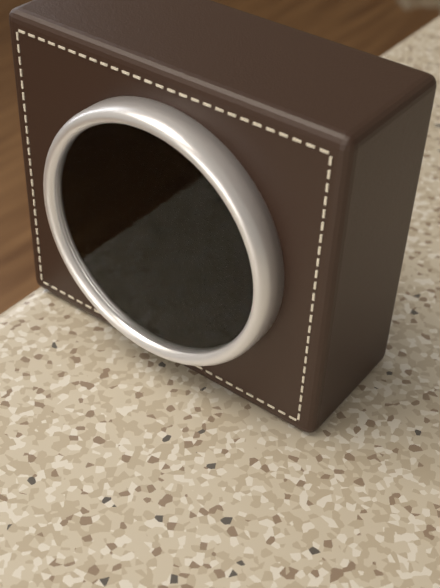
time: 10:42
